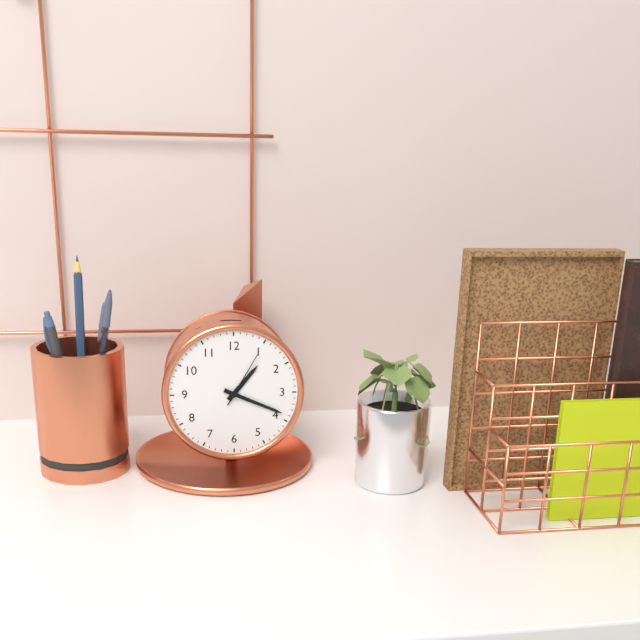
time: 1:19:05
